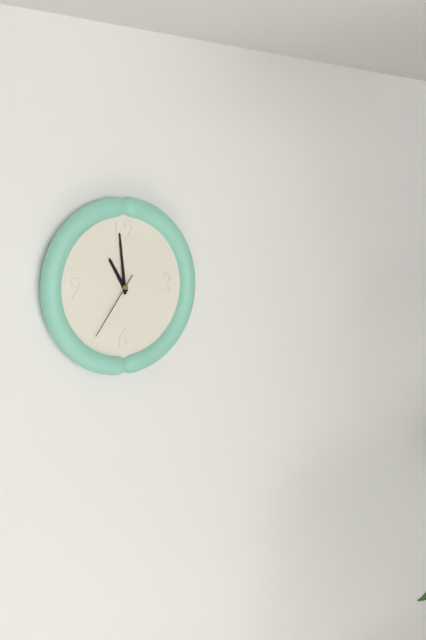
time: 10:59:36
